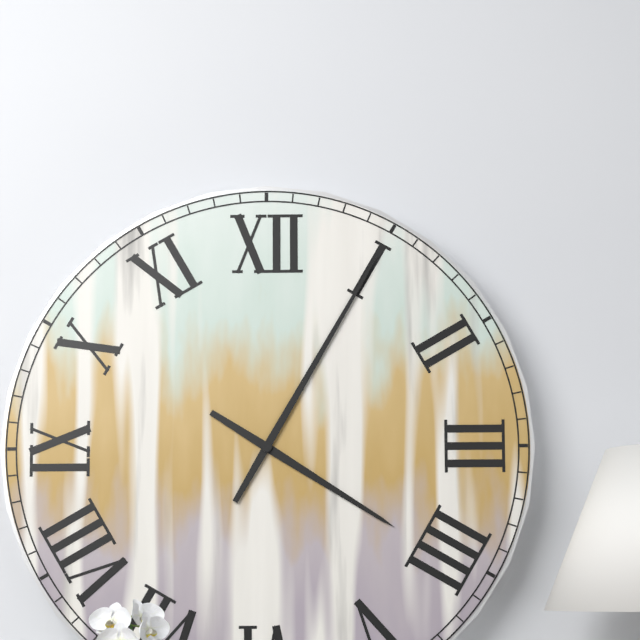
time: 4:05
